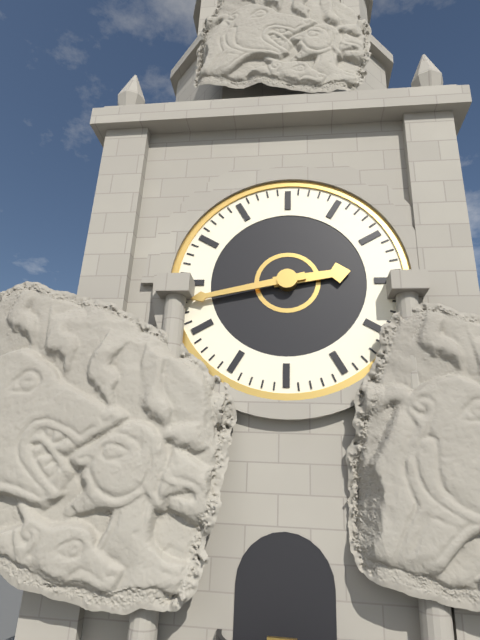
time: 2:43
